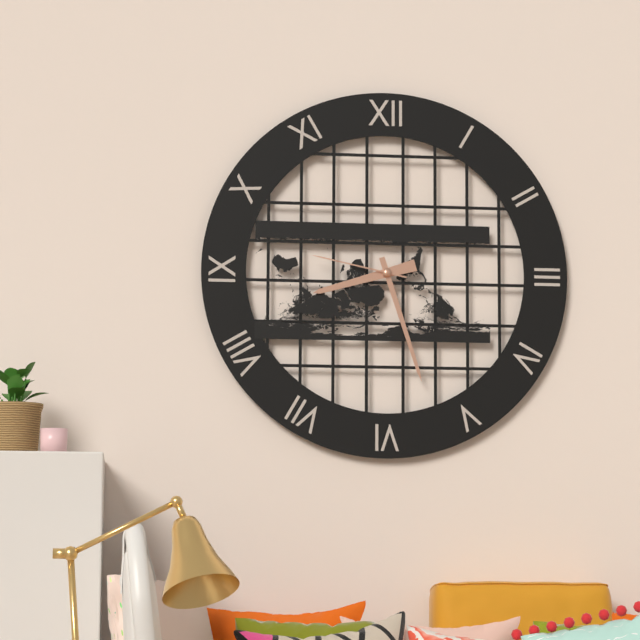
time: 8:27:47
